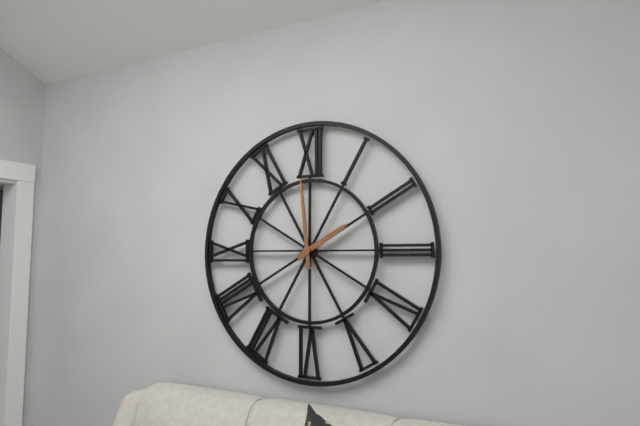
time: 1:59
